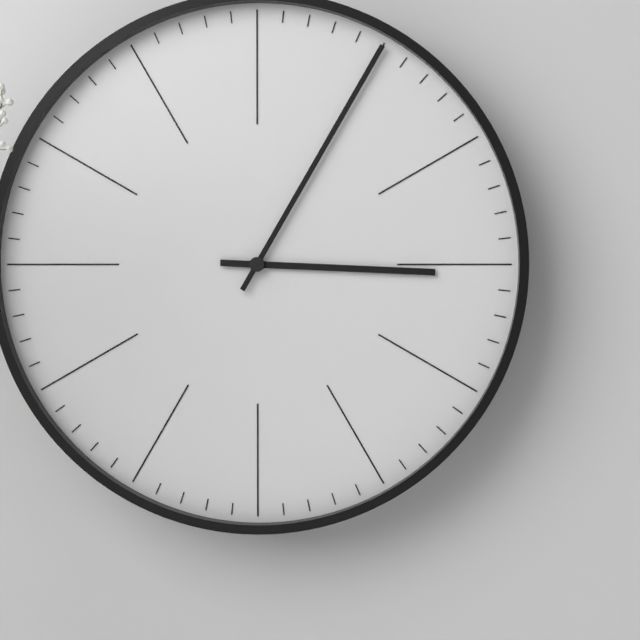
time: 3:05
